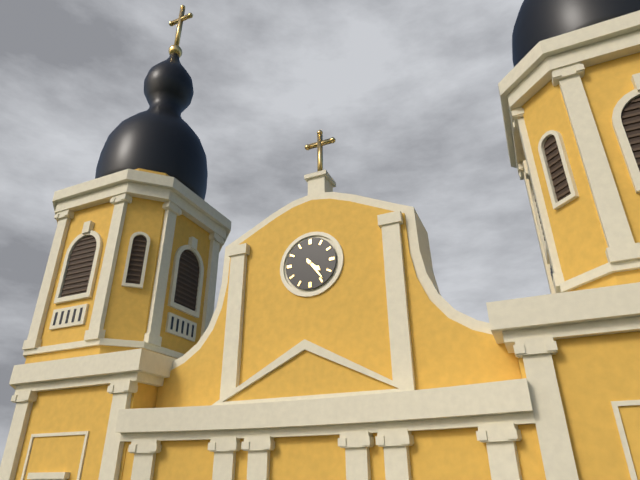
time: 4:24
